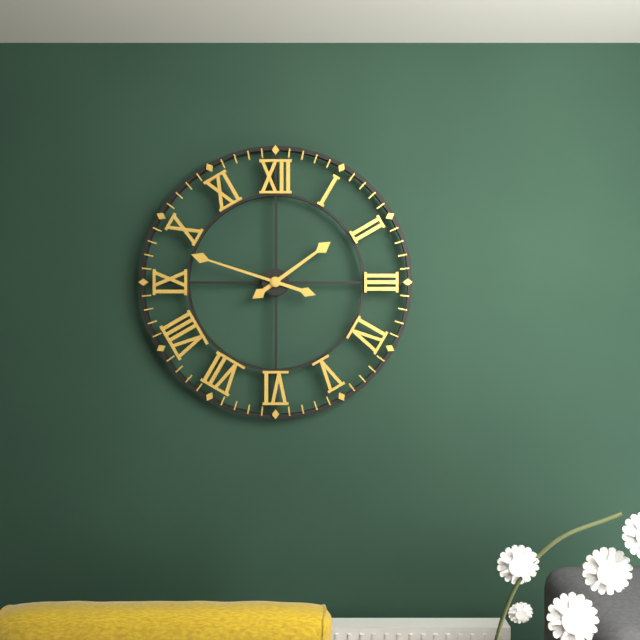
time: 1:48
